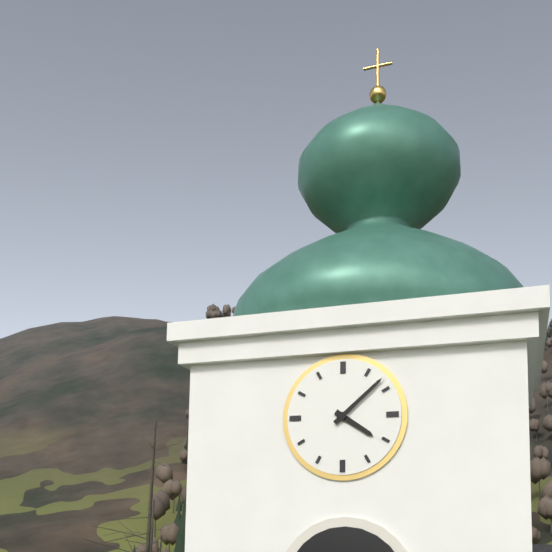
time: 4:08
